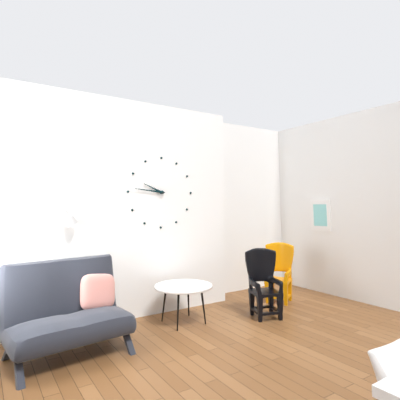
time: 9:46
